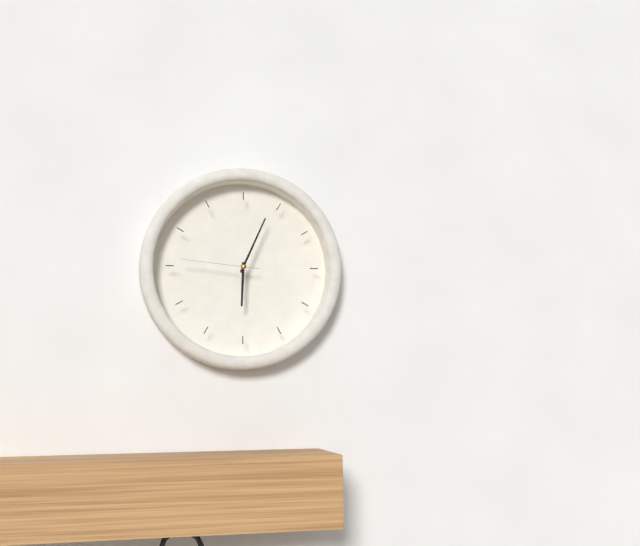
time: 6:04:46
